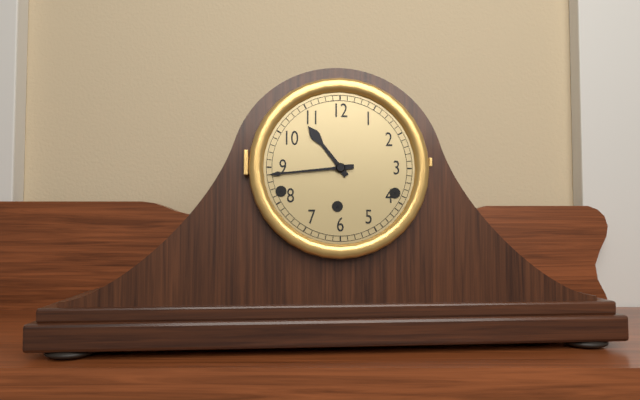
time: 10:44
